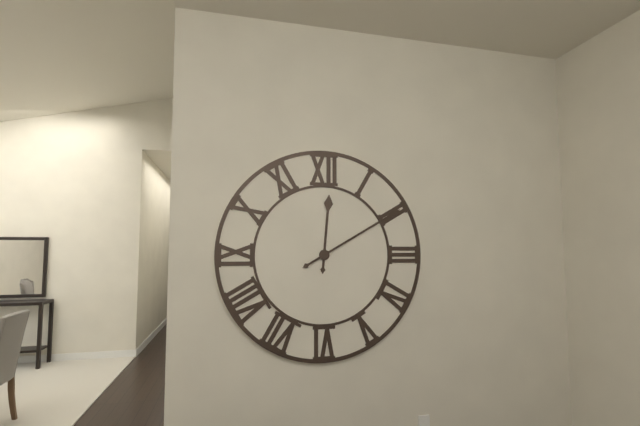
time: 12:10
